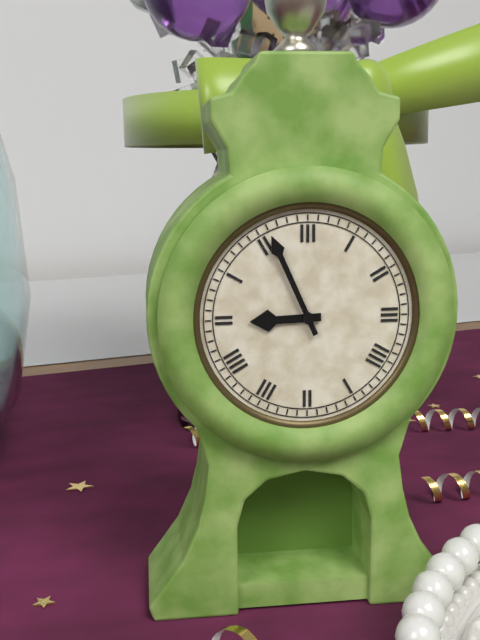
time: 8:56
